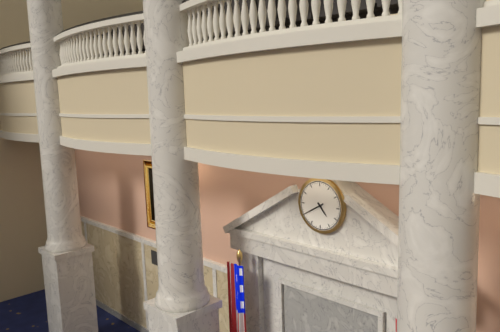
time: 4:40
